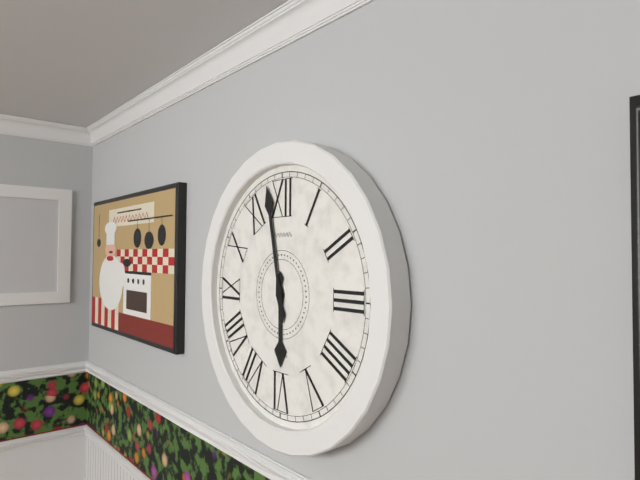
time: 5:58
